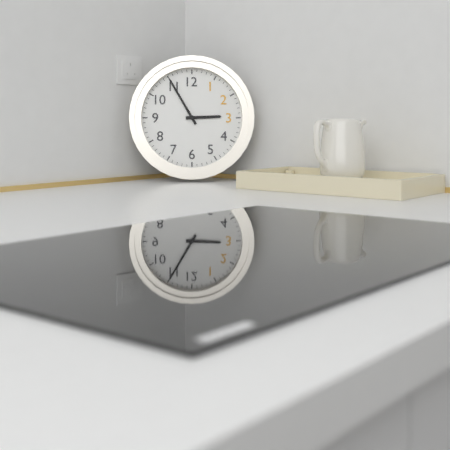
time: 2:55
